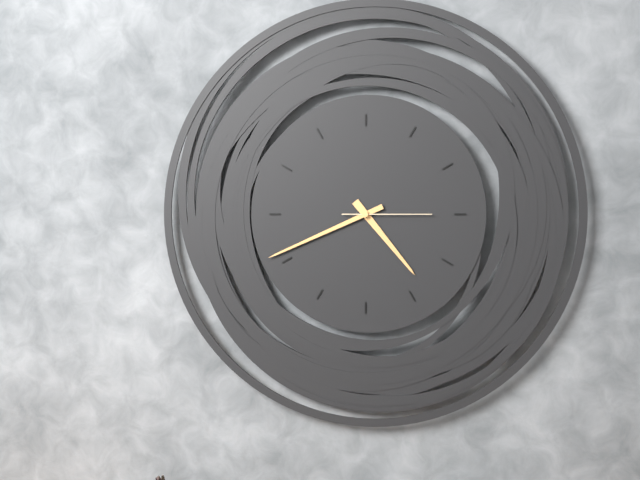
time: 4:41:15
